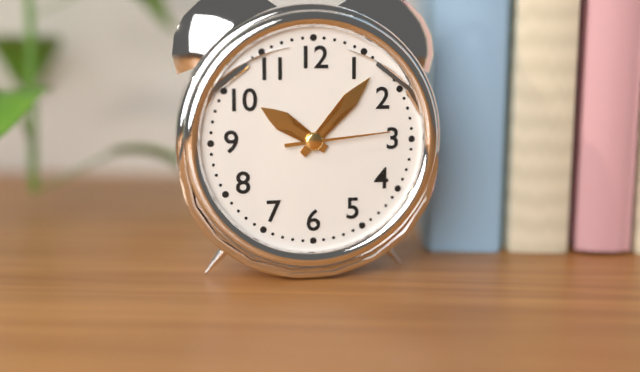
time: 10:07:14
